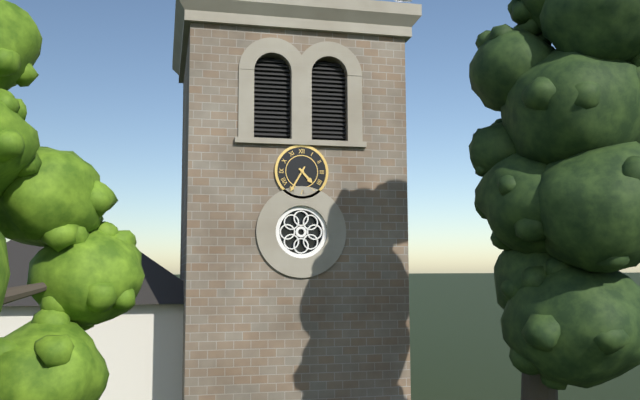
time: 4:35
